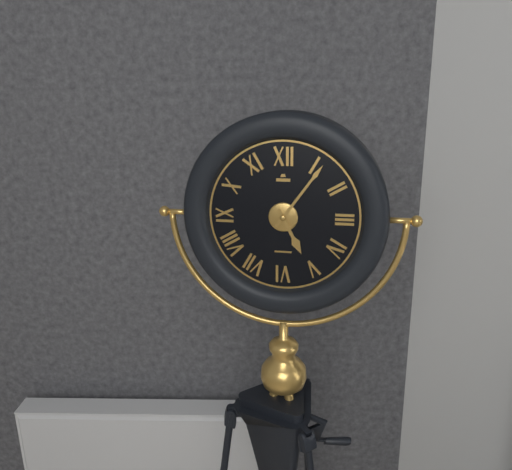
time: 5:06
